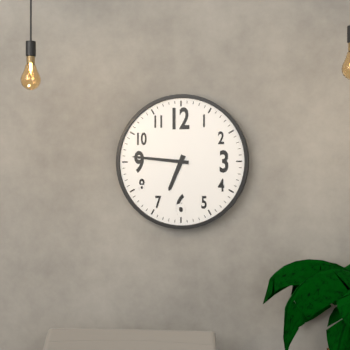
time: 6:46
